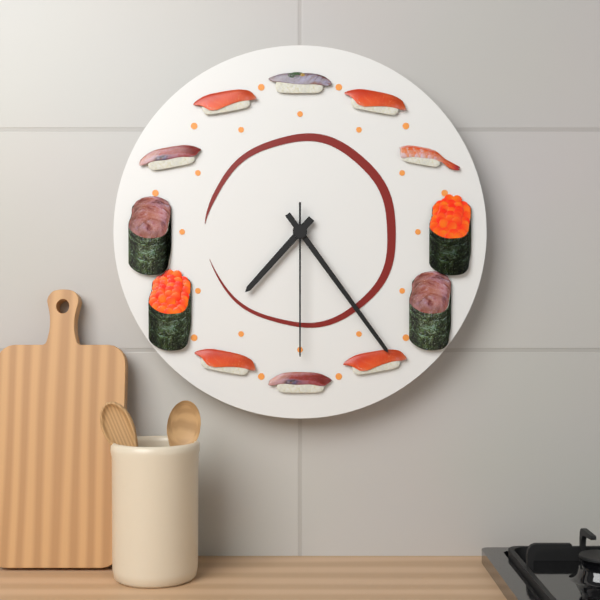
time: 7:24:30
